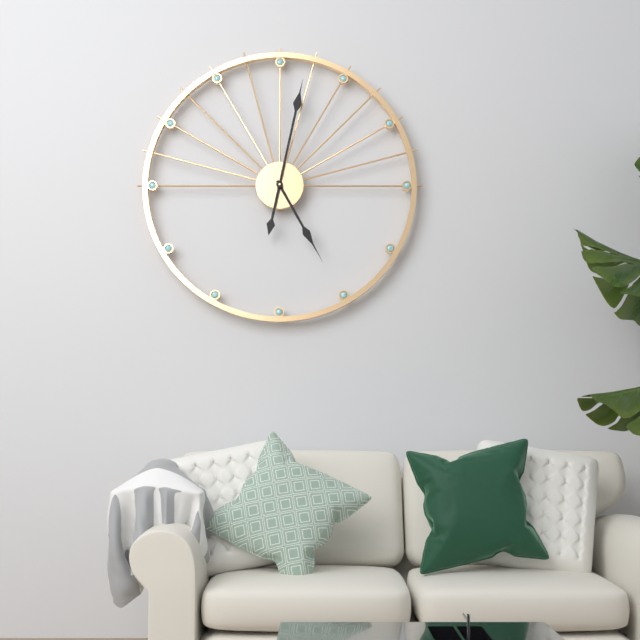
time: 5:02
